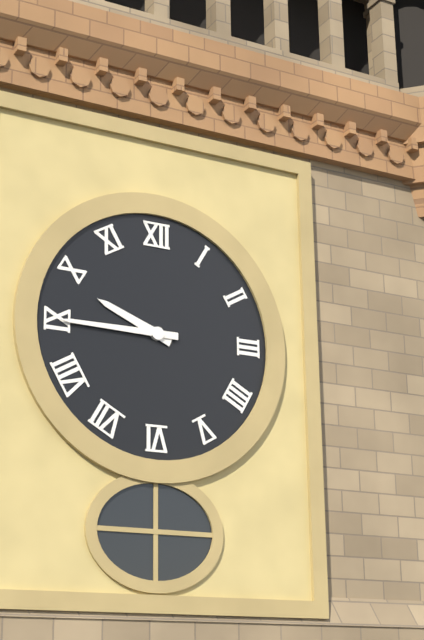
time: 9:45
